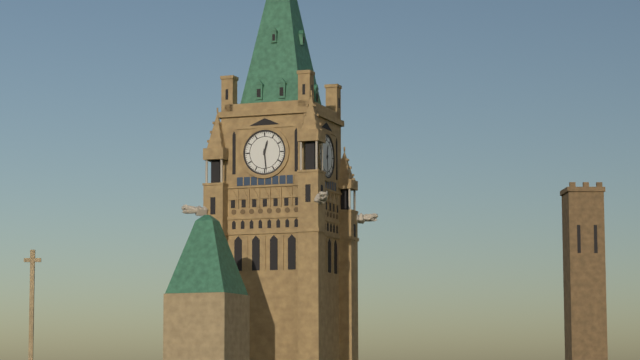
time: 12:29
